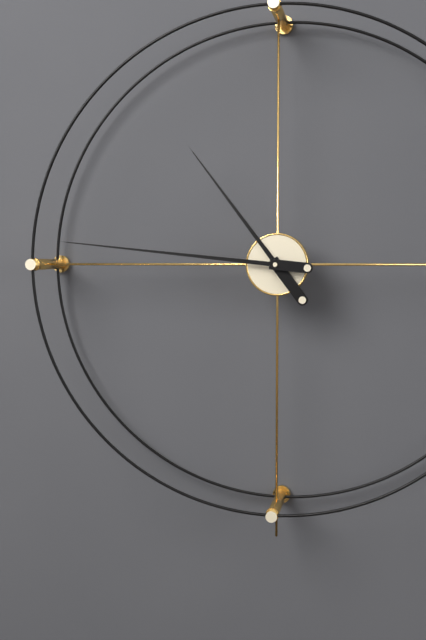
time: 10:46
